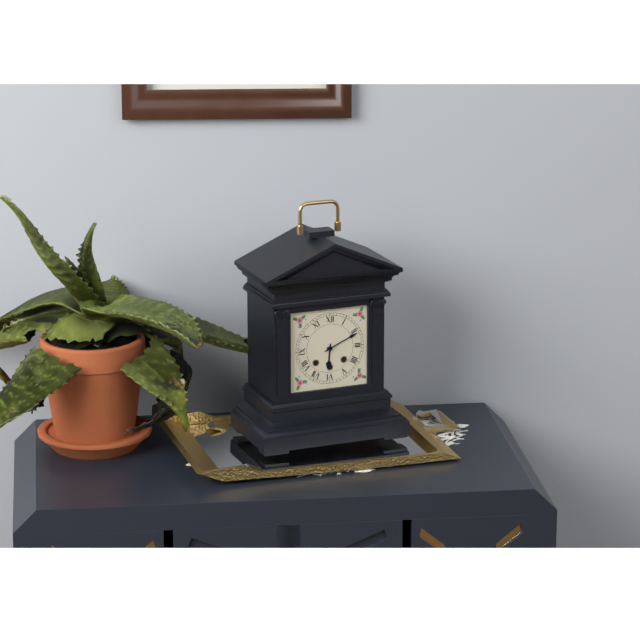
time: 6:11
